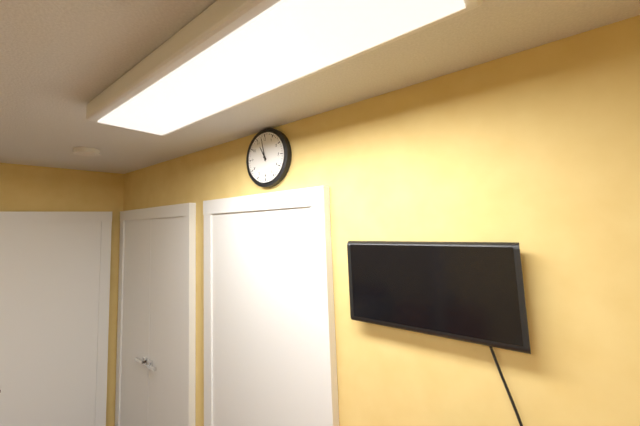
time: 10:58
